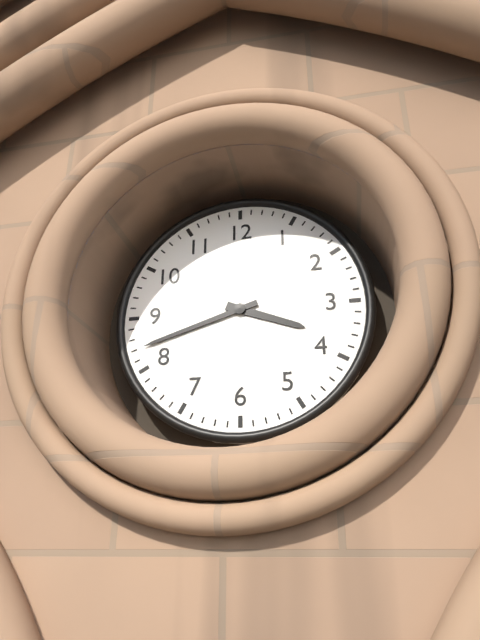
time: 3:42
